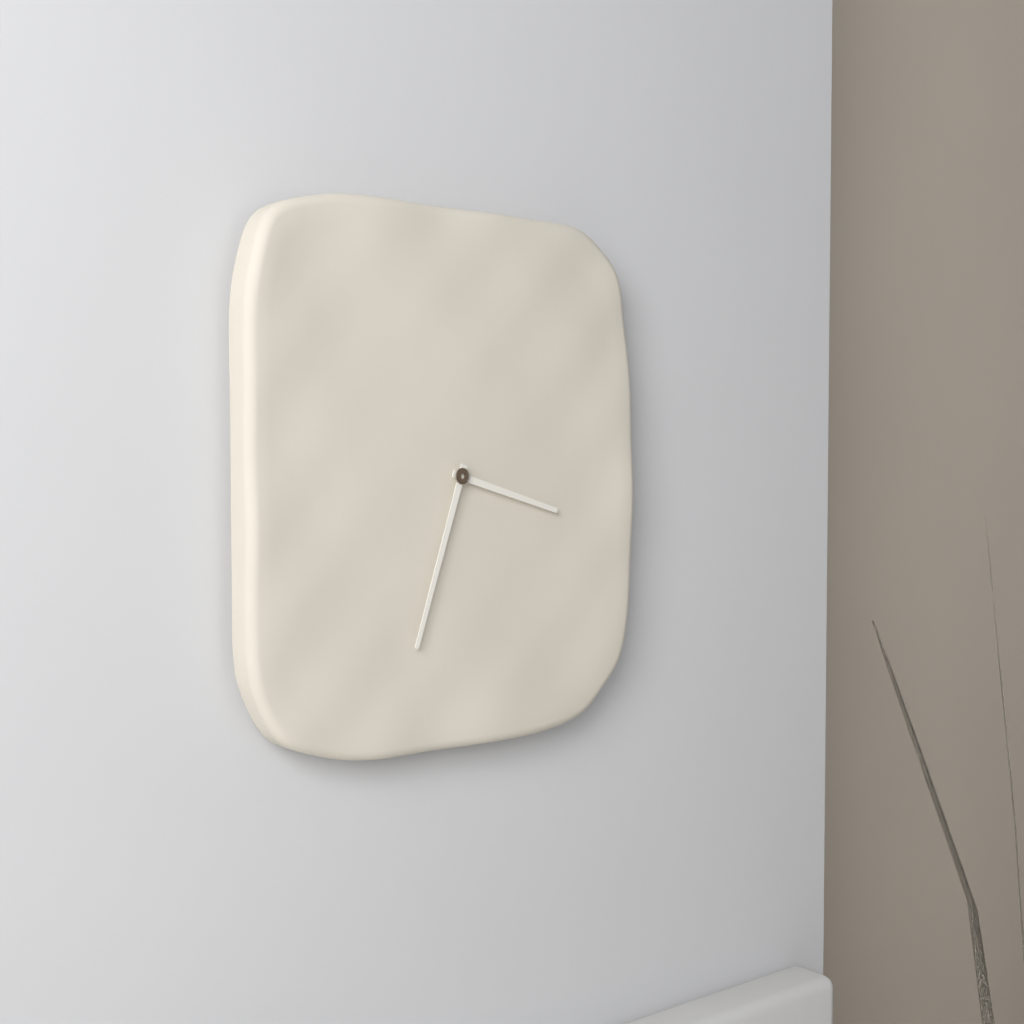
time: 3:33
